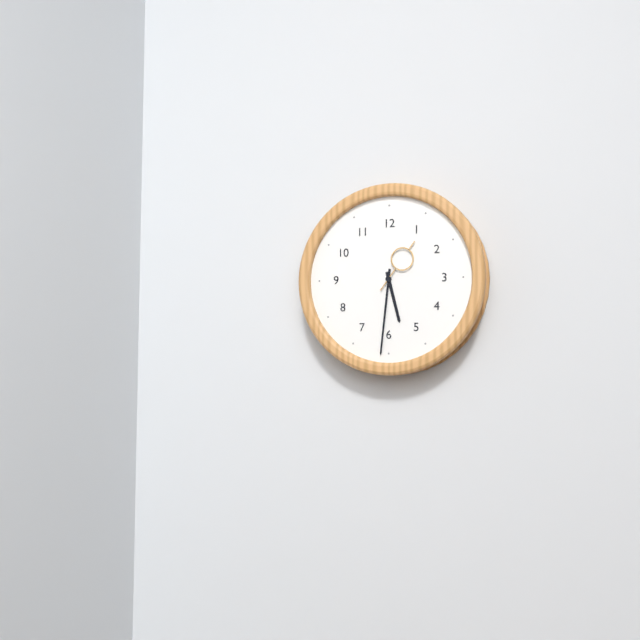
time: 5:31:06
